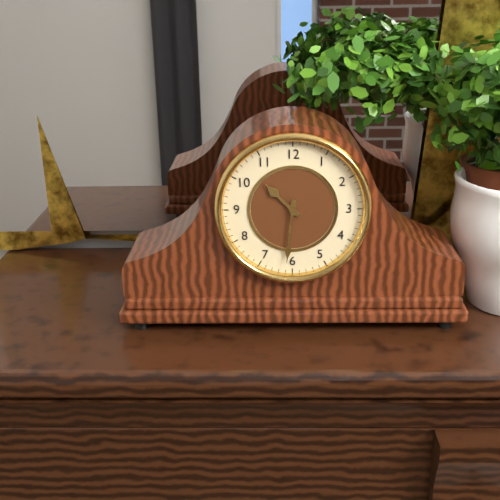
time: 10:31
